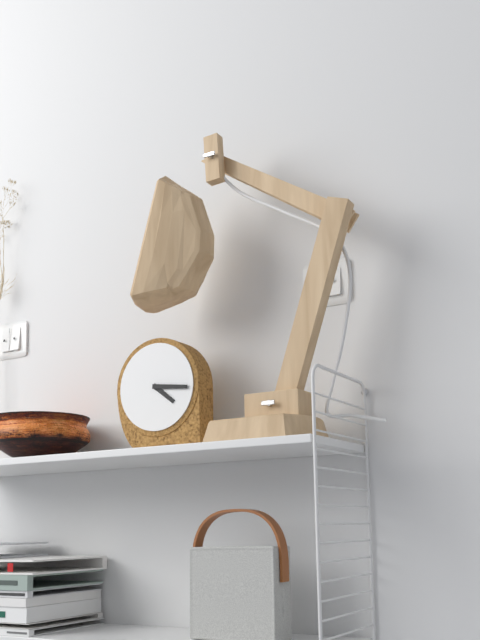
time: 4:16
